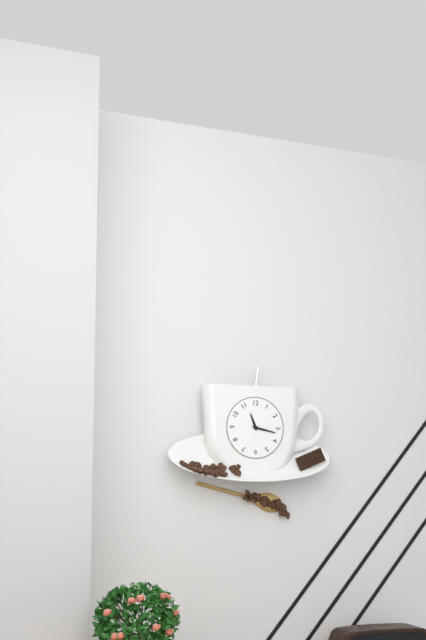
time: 11:17
